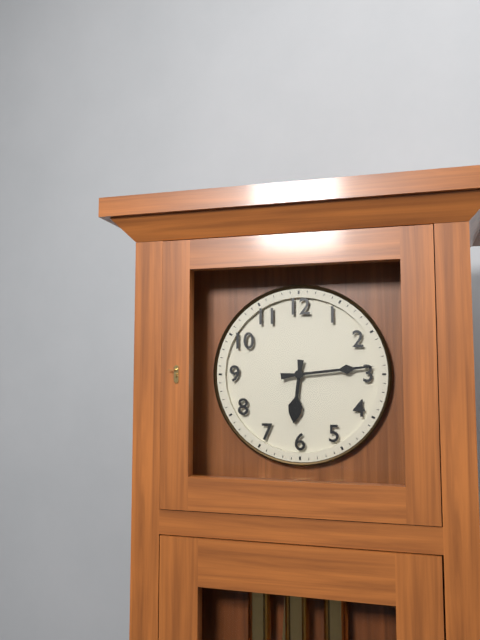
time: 6:14
